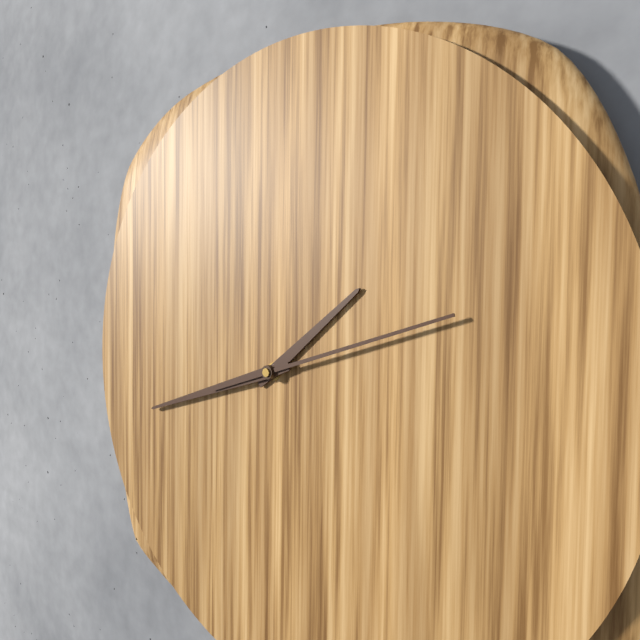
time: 1:42:12
